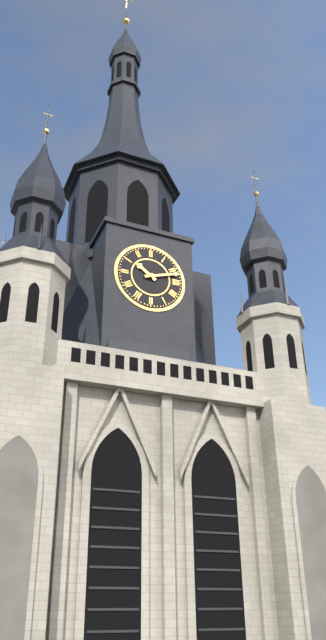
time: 10:12
